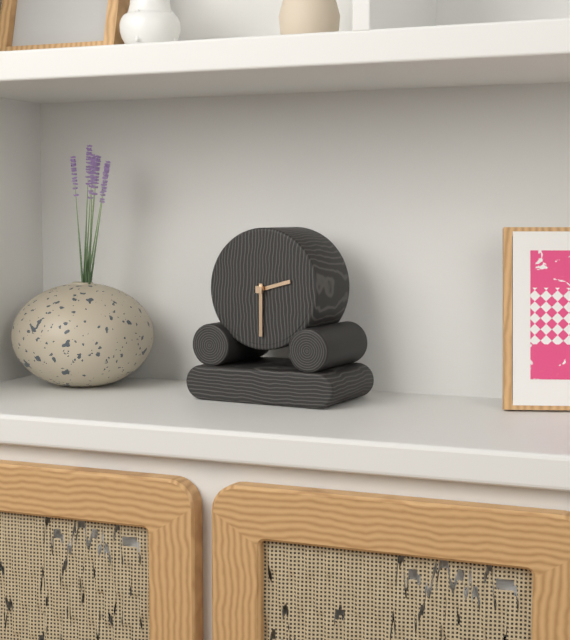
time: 2:30
